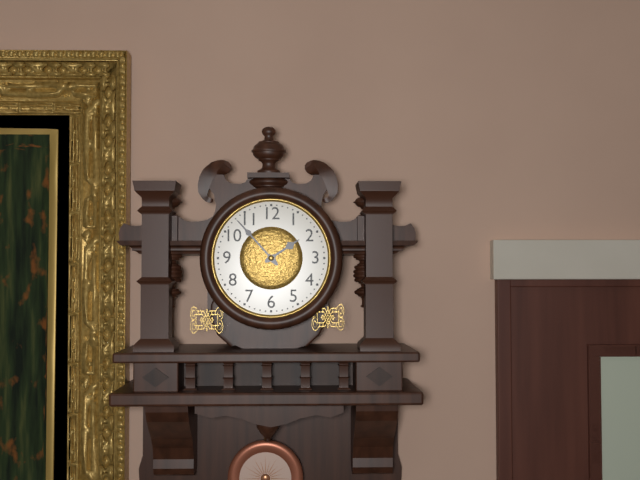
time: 1:53
